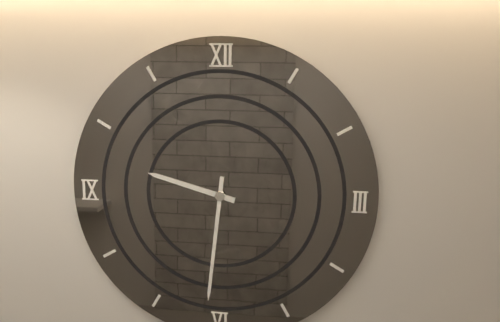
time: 9:31
